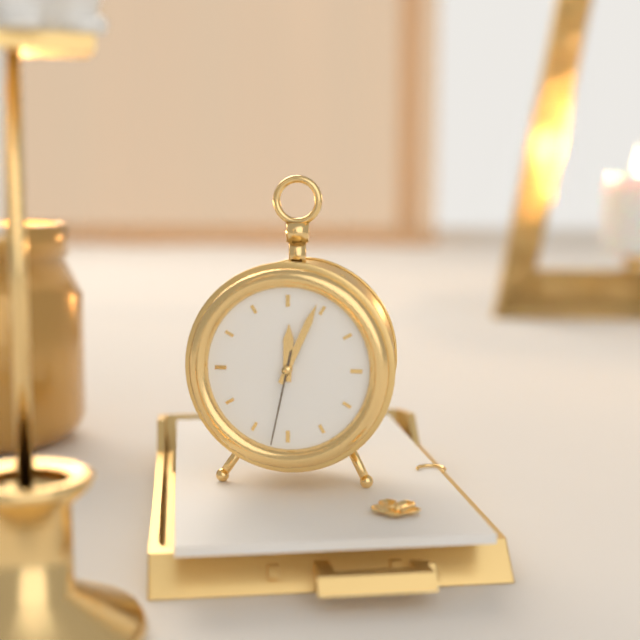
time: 12:04:32
